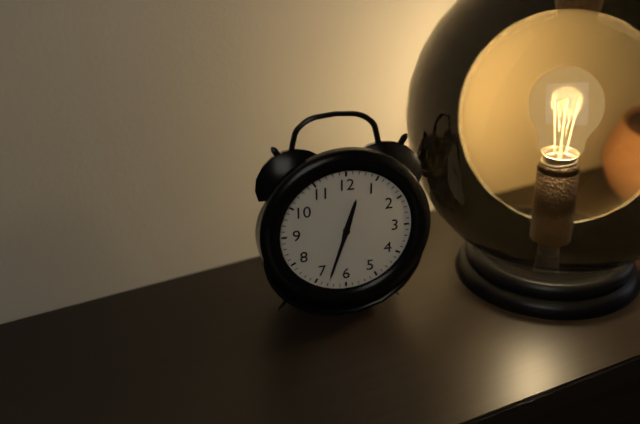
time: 12:33
